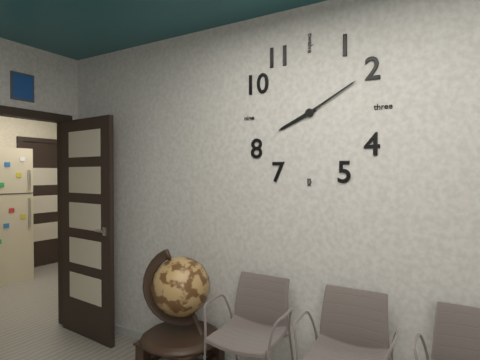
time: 8:10
